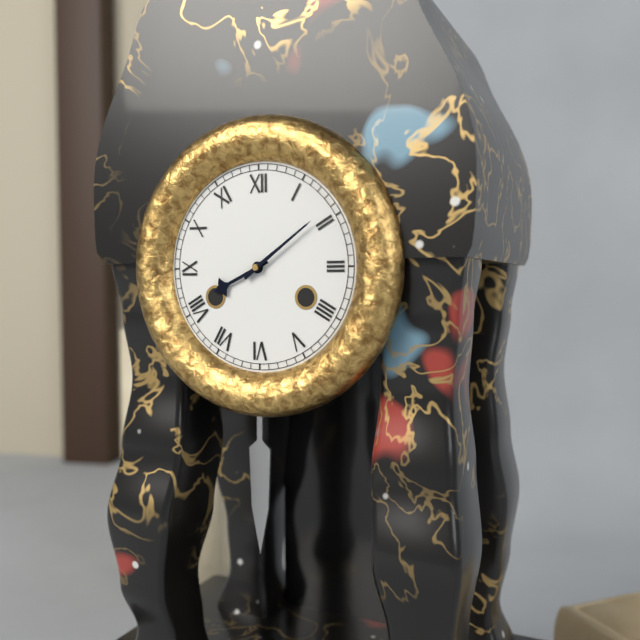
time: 8:09
